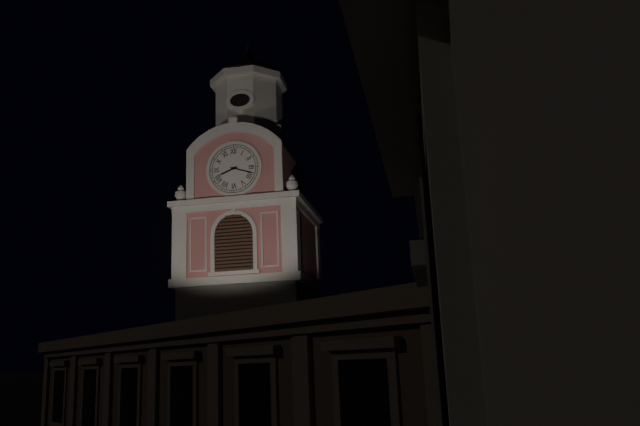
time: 8:18
